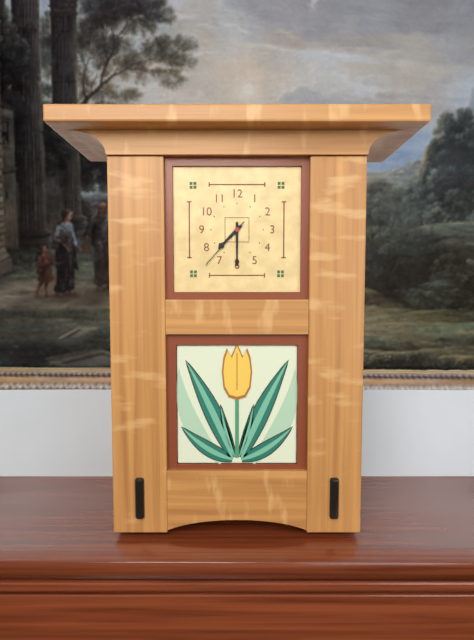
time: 7:30:37
